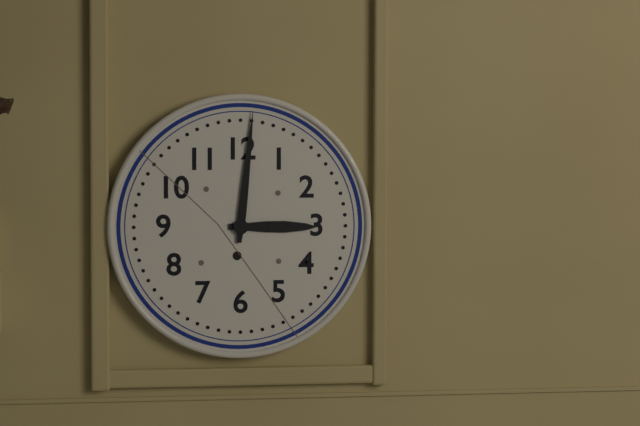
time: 3:01
